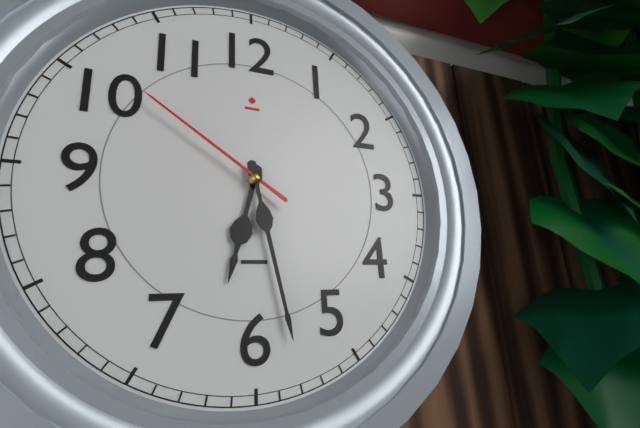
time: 6:28:51
